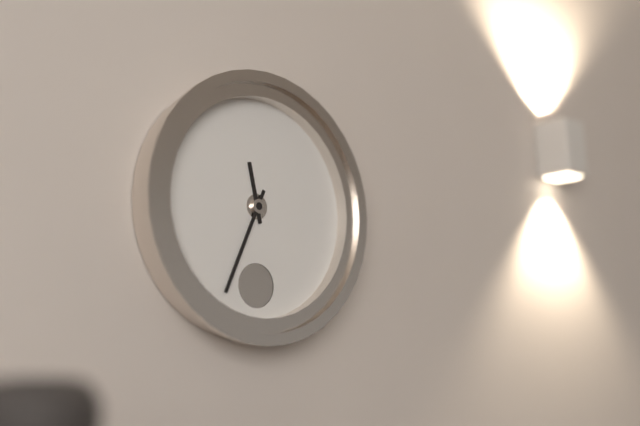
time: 11:34
